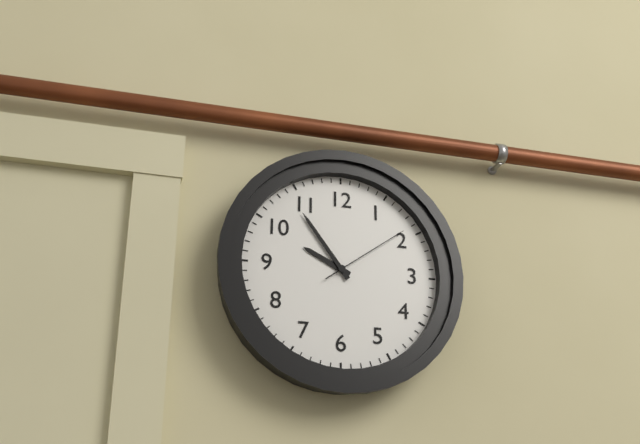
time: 9:54:09
